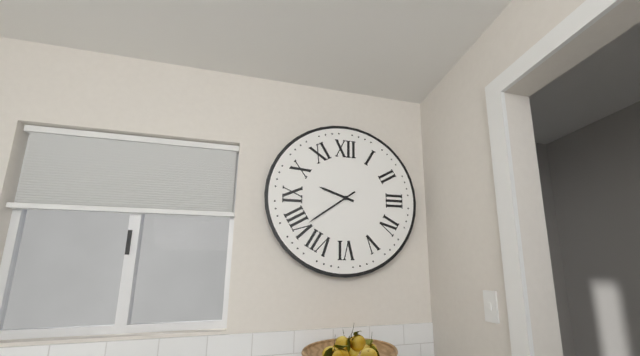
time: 9:39
